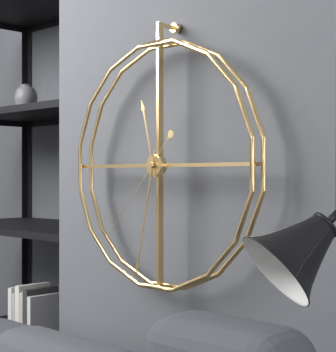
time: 11:32:37
